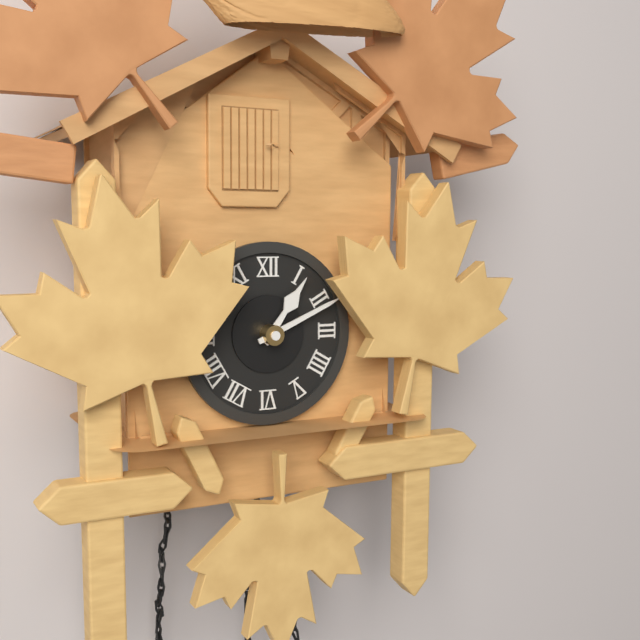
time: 1:11
